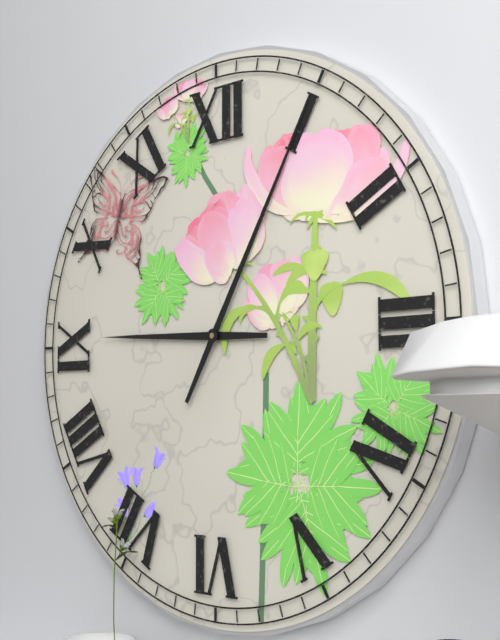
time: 9:05
